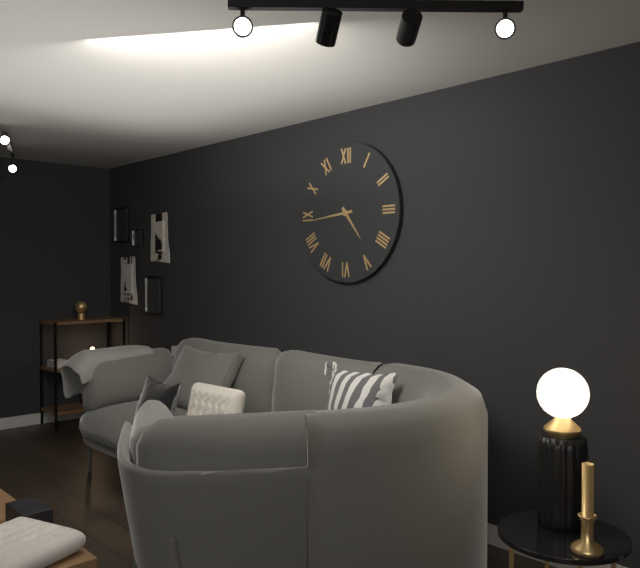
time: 4:44
